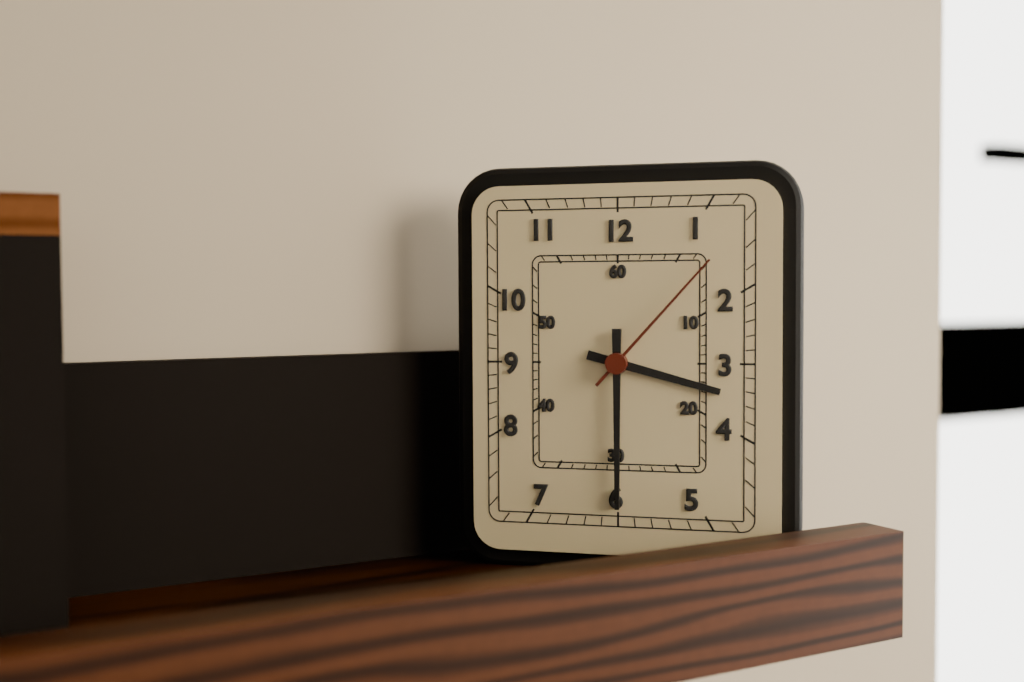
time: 3:30:07
